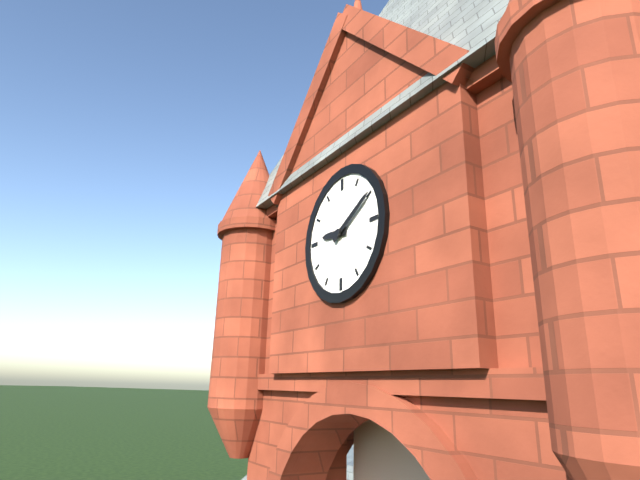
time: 9:10
